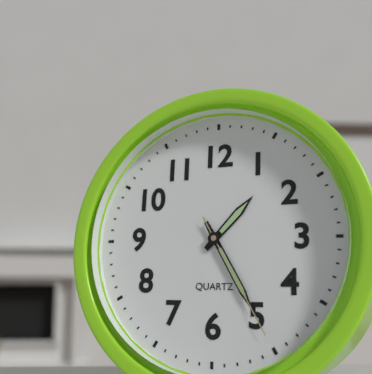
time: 1:25:25
